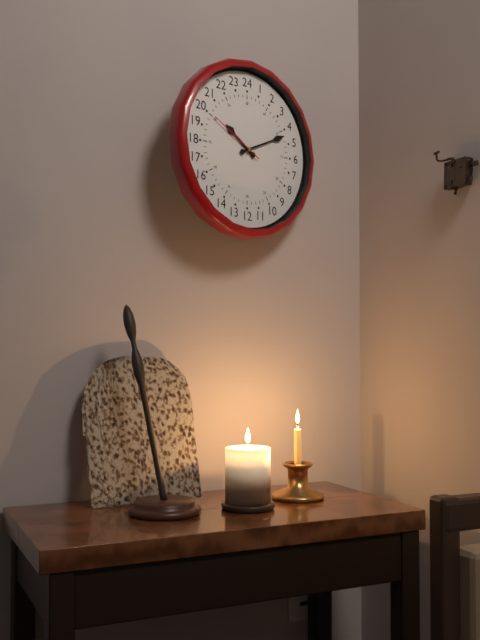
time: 10:11:50
